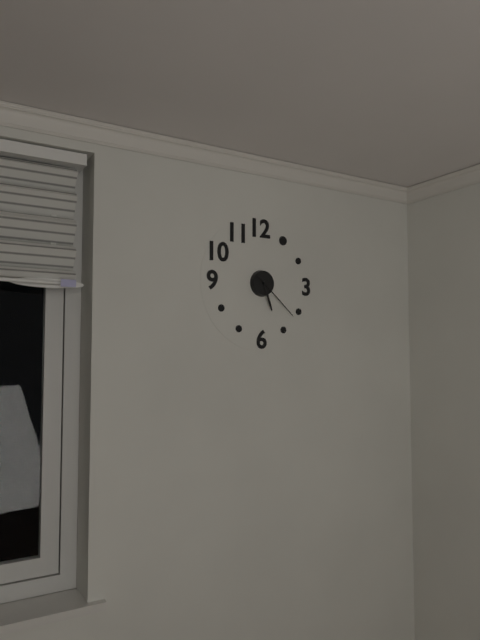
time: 5:22
